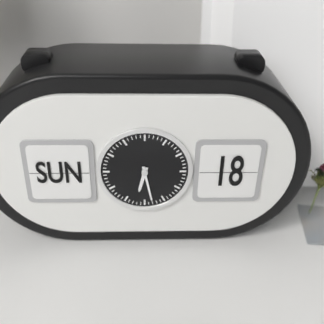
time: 6:28
